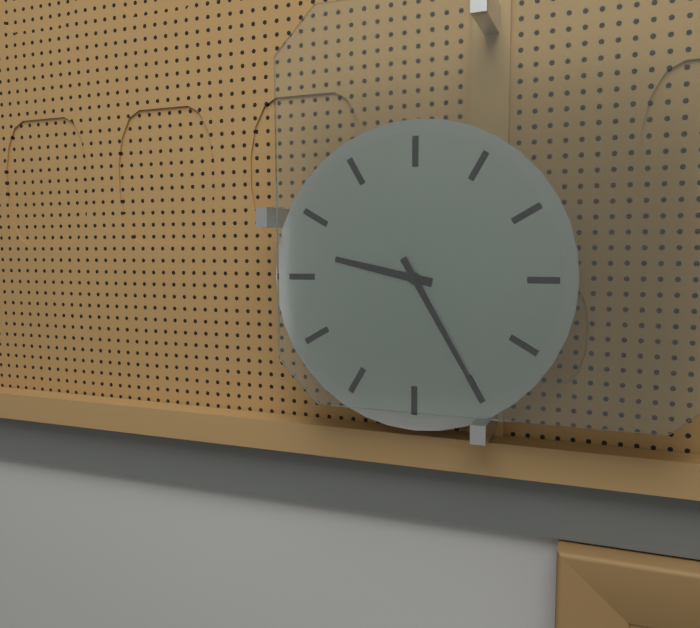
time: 9:25
